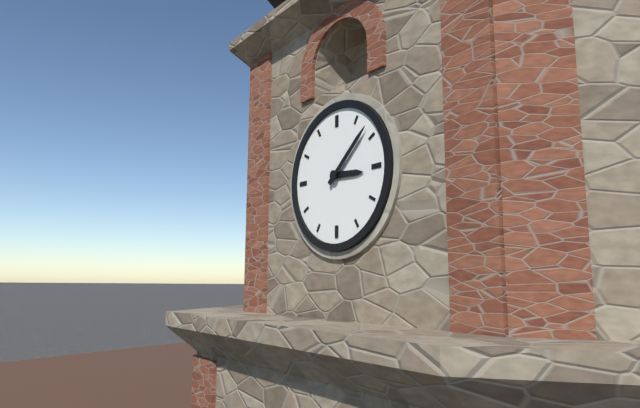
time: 3:08
